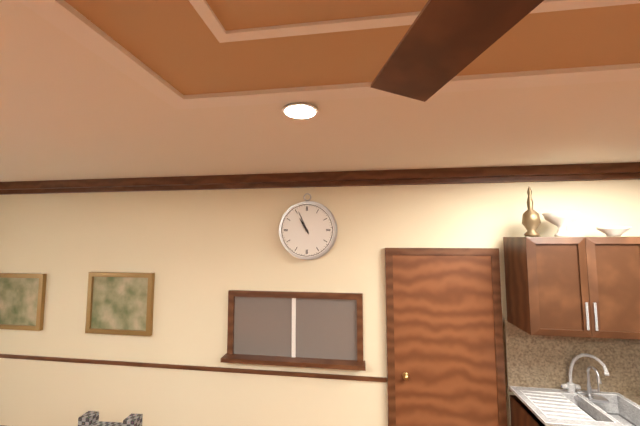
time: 10:56
